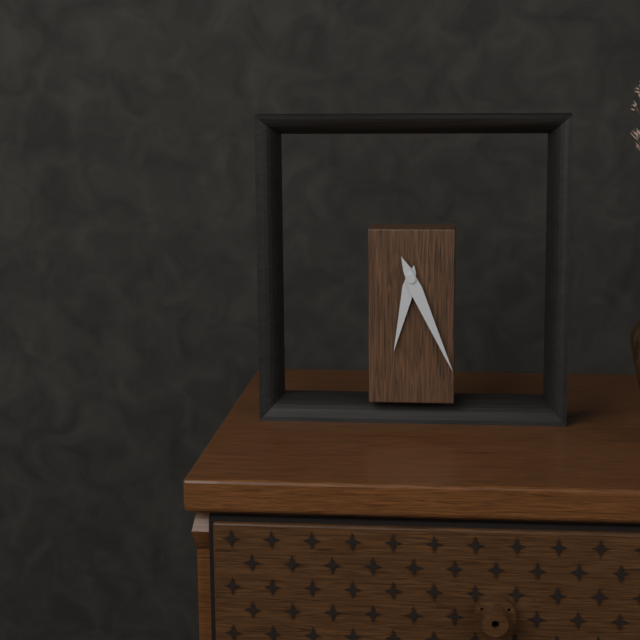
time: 6:26
